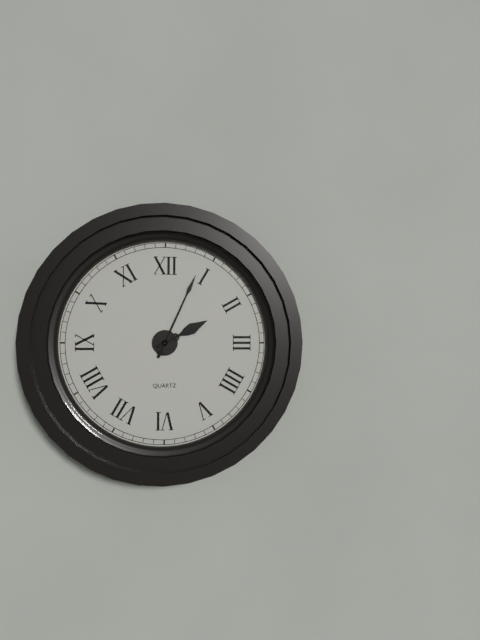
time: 2:04
